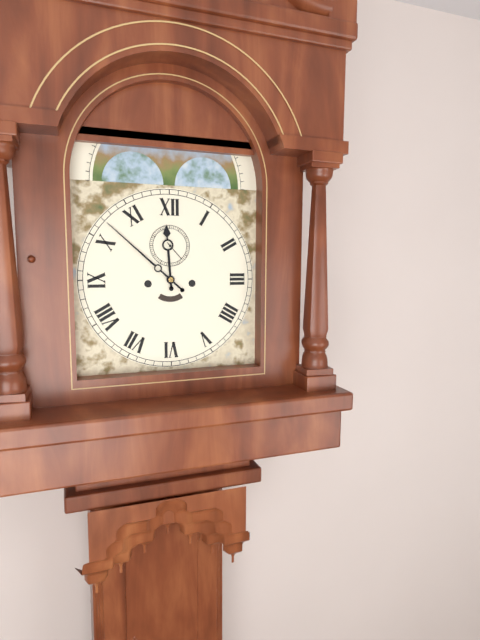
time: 11:52
